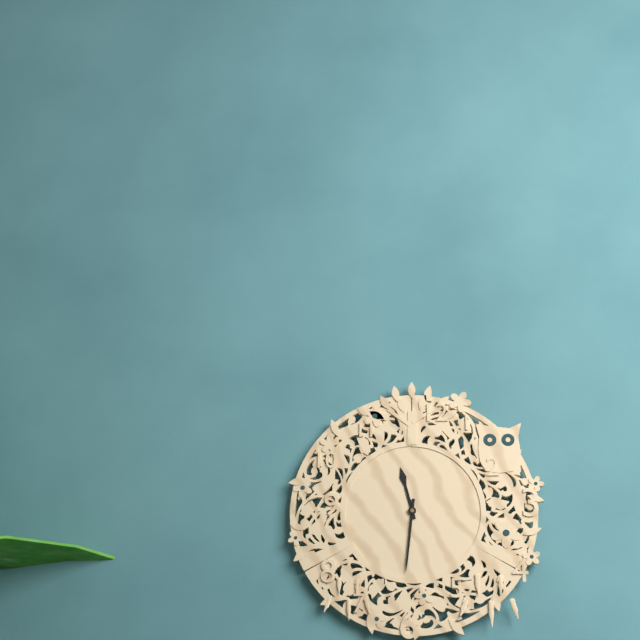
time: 11:31
